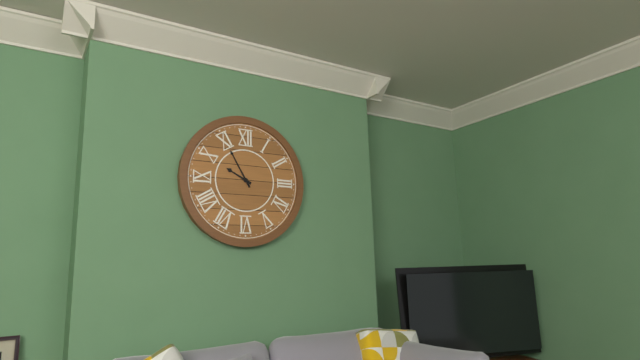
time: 9:55
